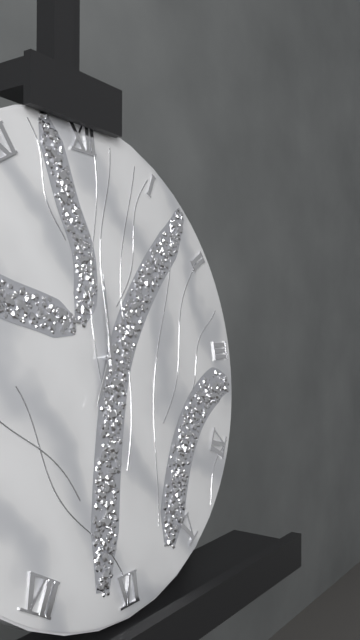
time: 7:00
